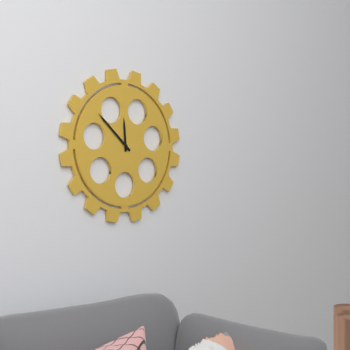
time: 11:52
